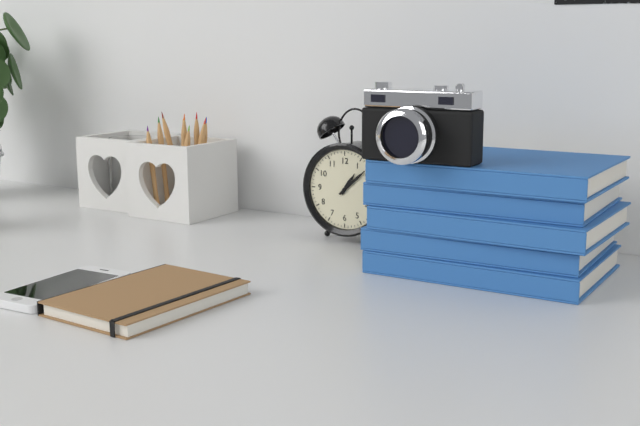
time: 1:08
